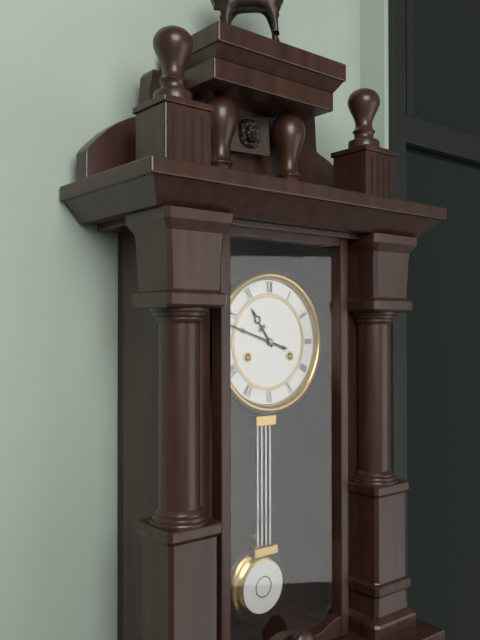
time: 10:48
